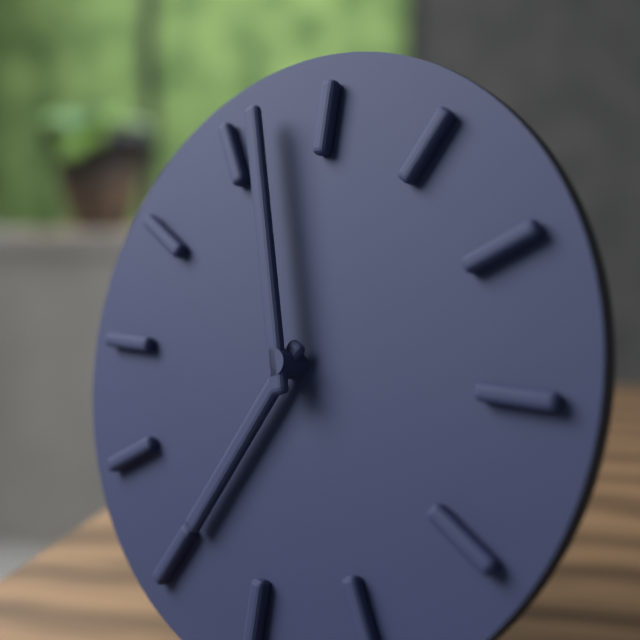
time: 6:57
